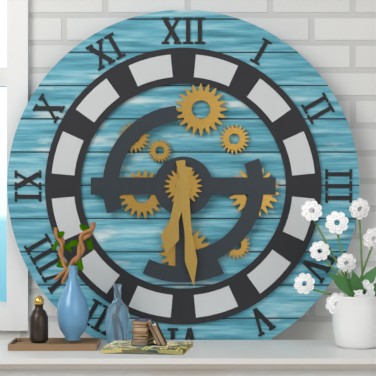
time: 6:29
